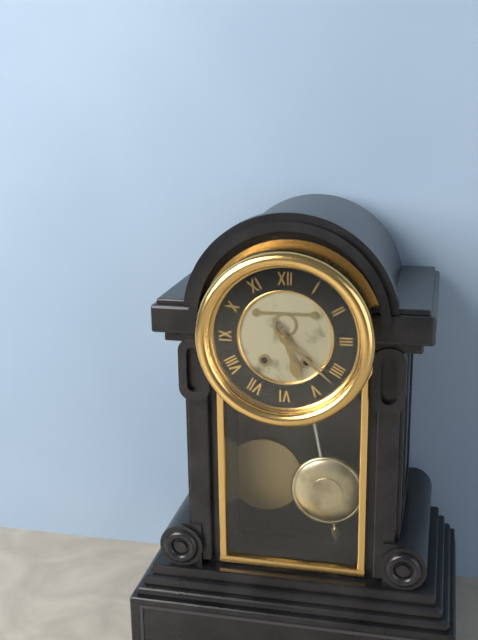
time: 5:22
